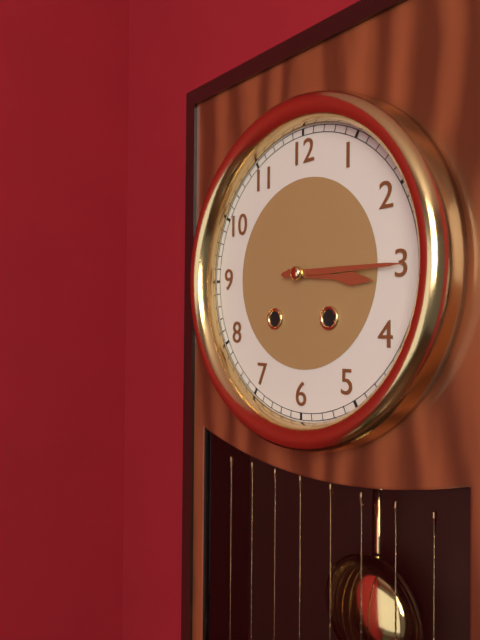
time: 3:15
